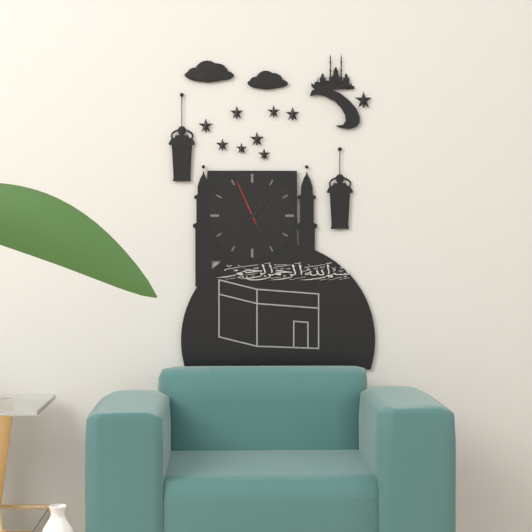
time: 5:07
